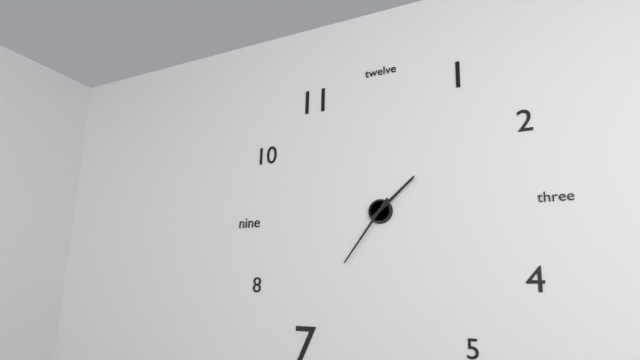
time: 1:36
